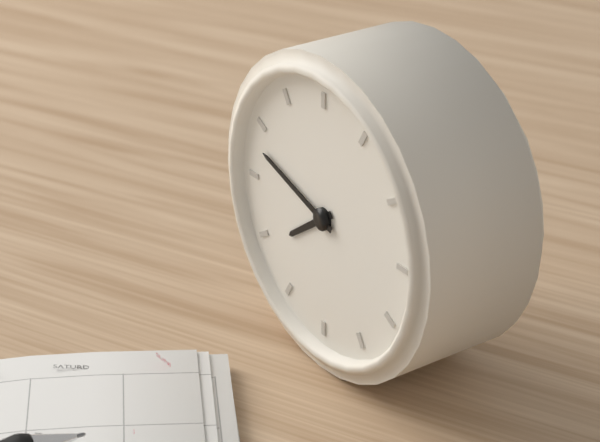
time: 7:48
